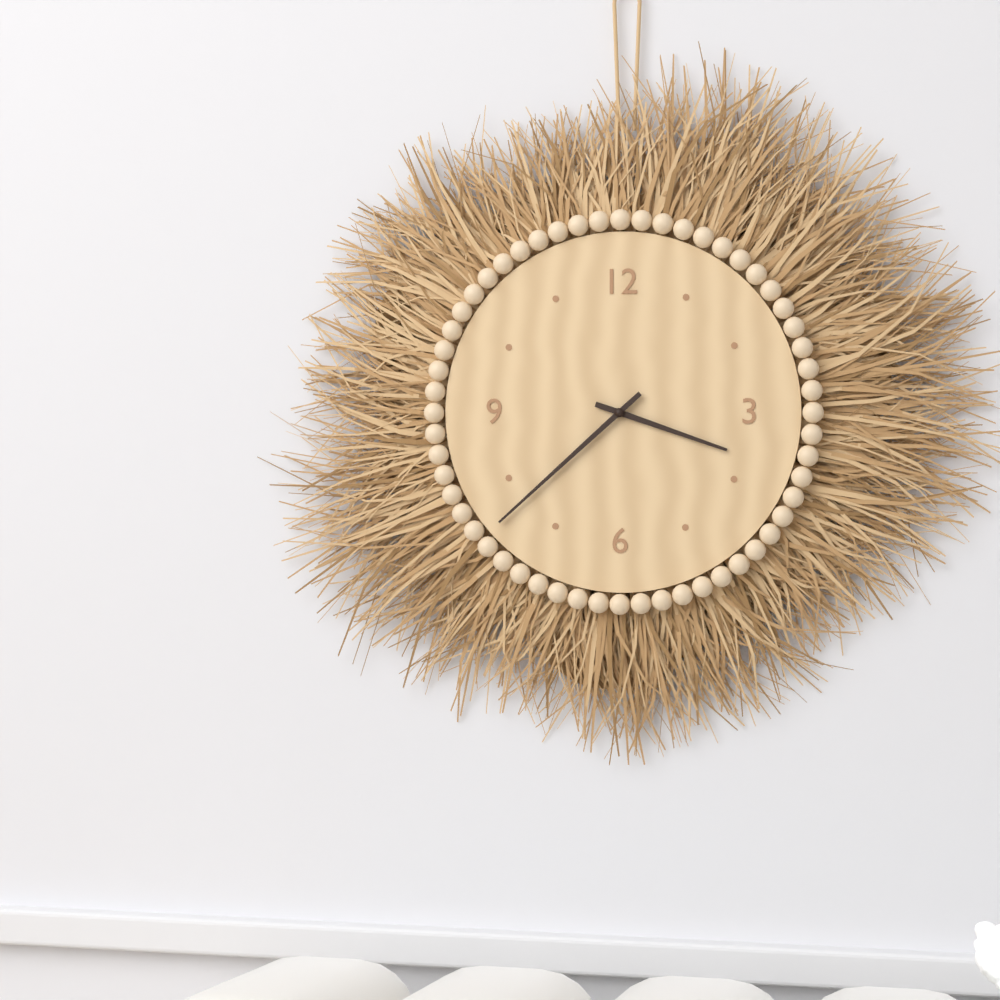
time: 3:38
